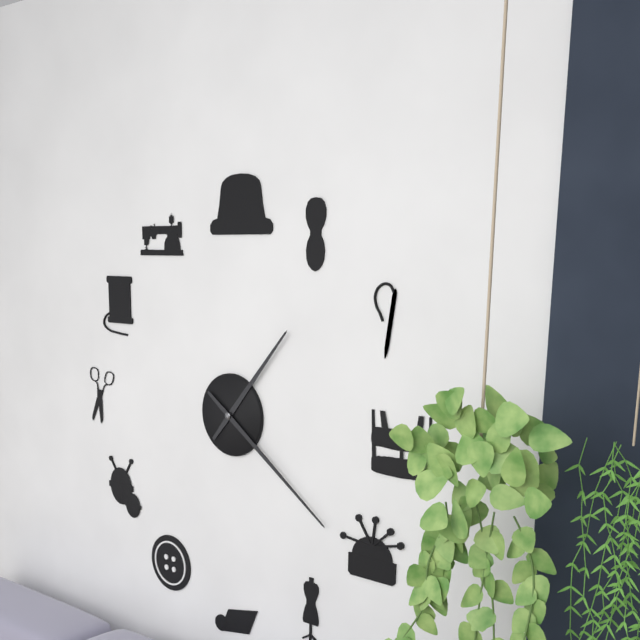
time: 1:21
